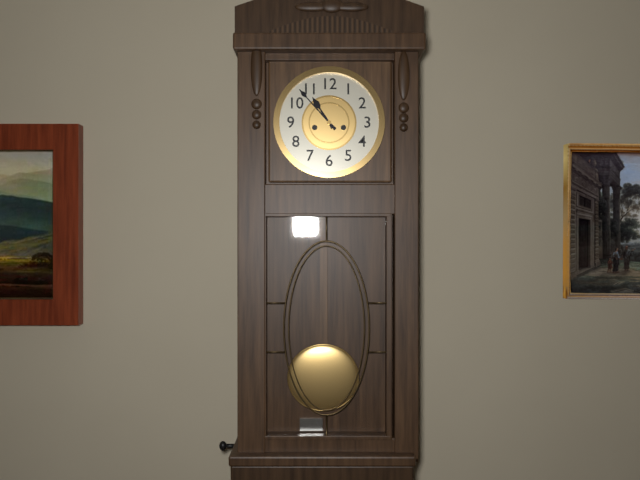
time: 10:53
